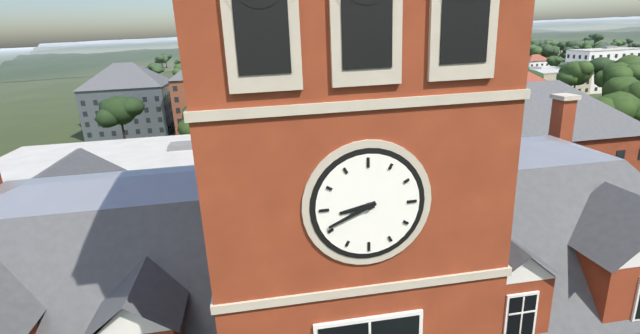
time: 8:41
